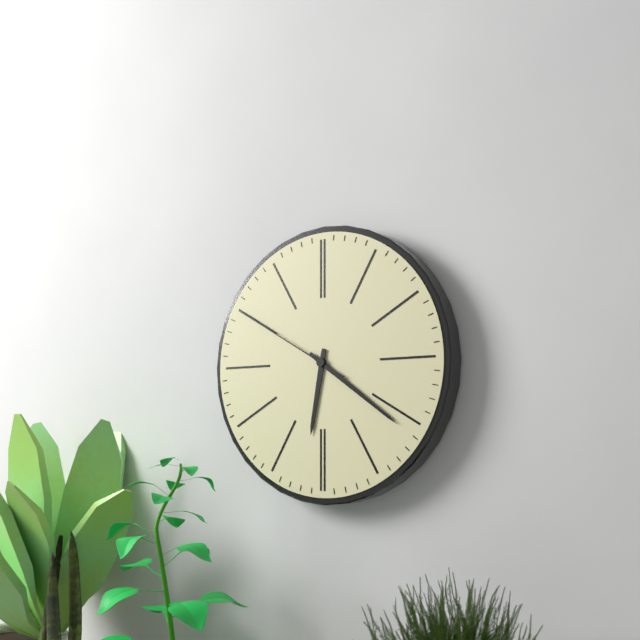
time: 6:21:50
